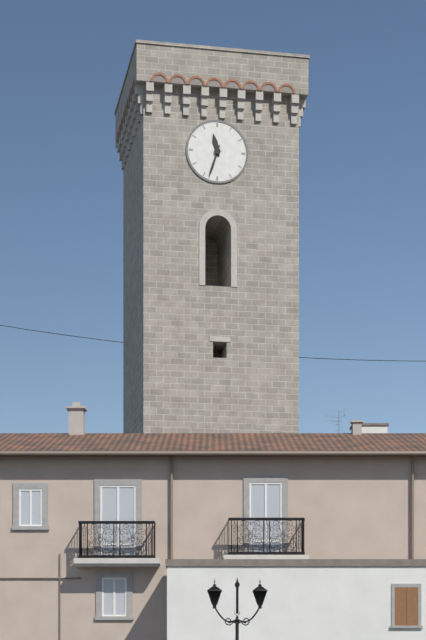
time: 11:33
